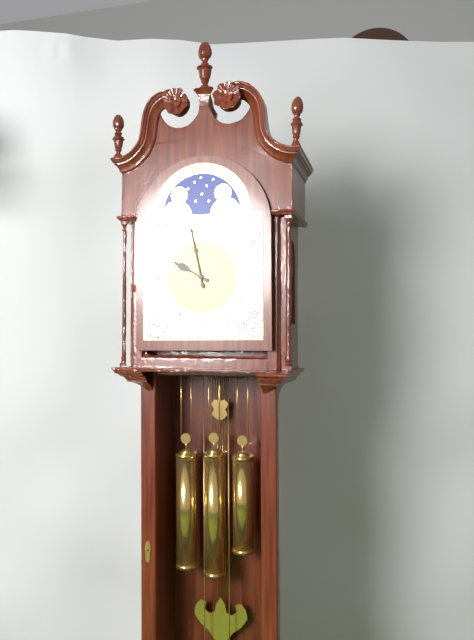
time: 9:58
